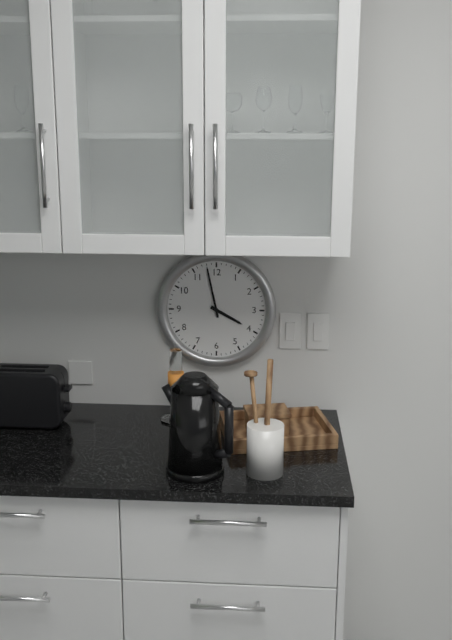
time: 3:58
